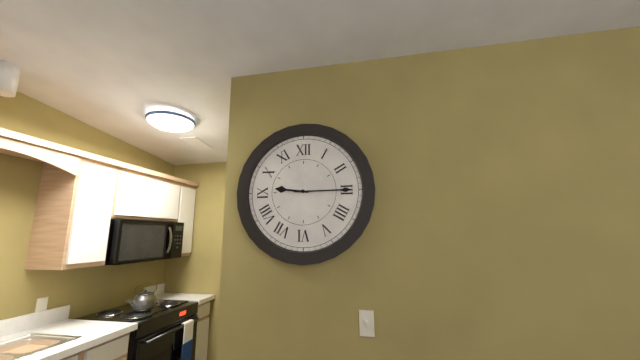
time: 9:15
